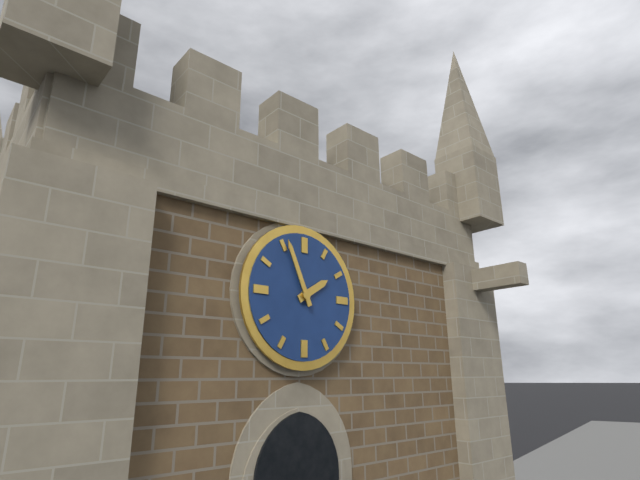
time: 1:56
